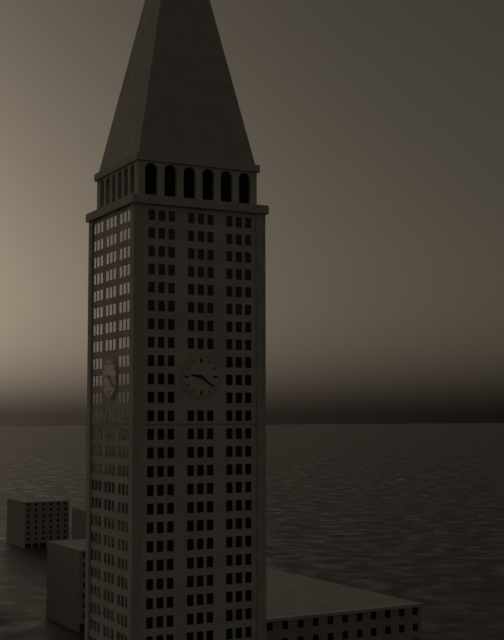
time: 9:21
